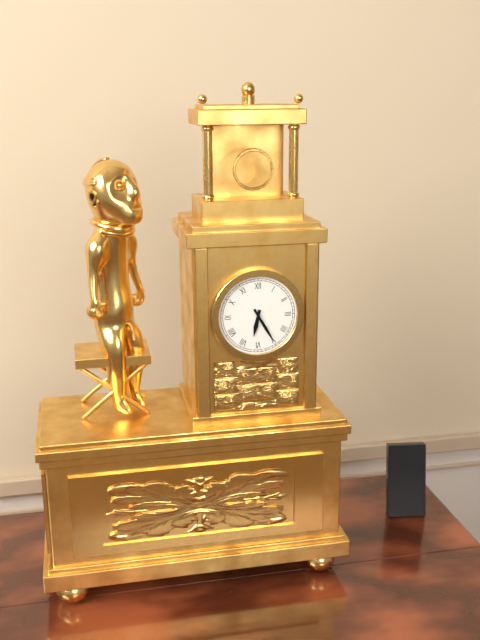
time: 6:25
